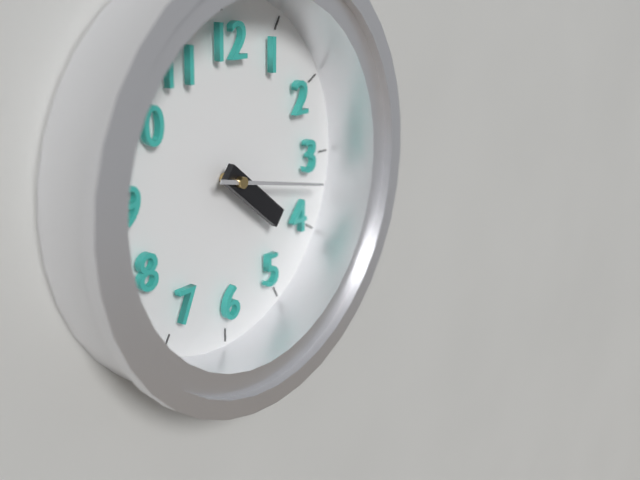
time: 4:17
